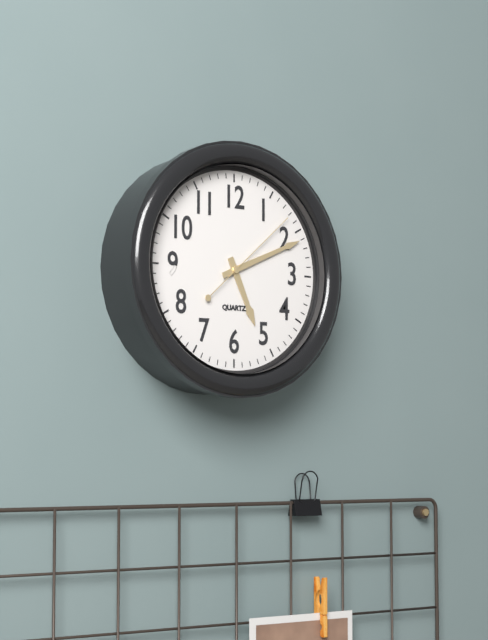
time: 5:11:08
